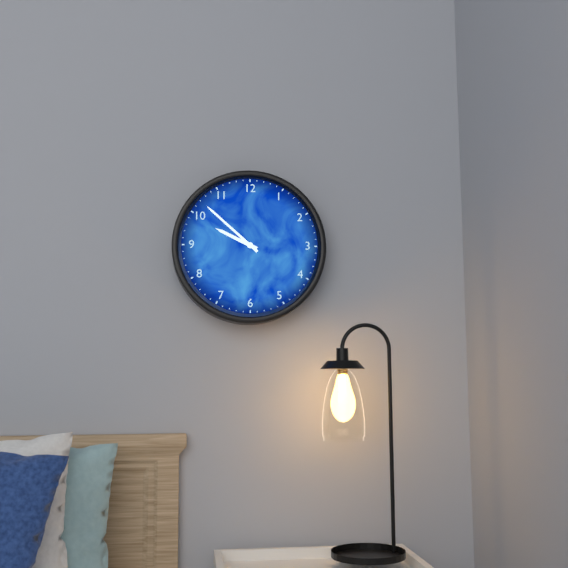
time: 9:52
